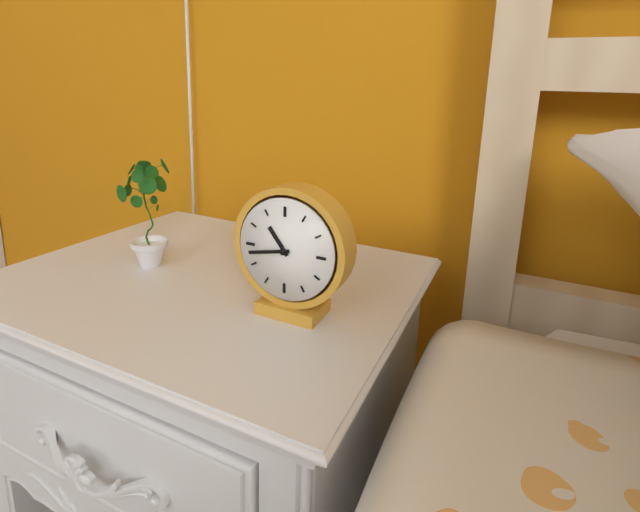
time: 10:43
